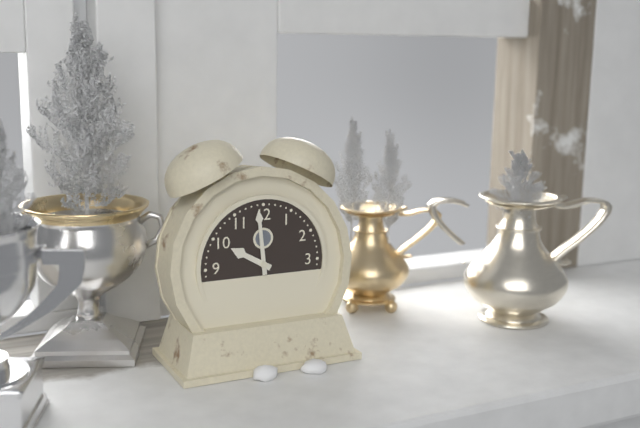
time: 9:59
